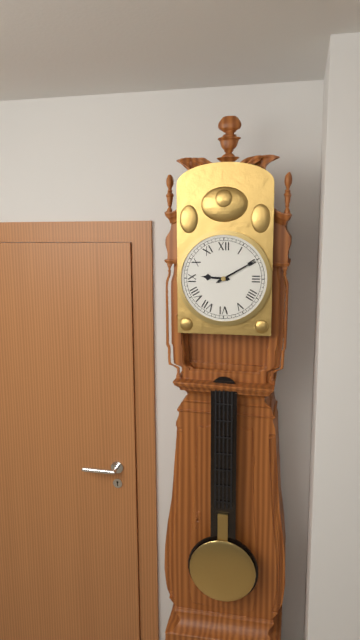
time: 9:10
